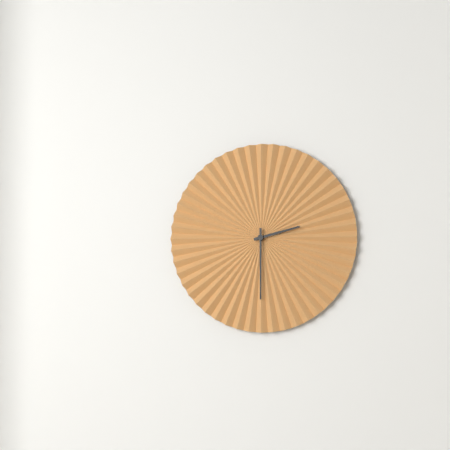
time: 2:30
